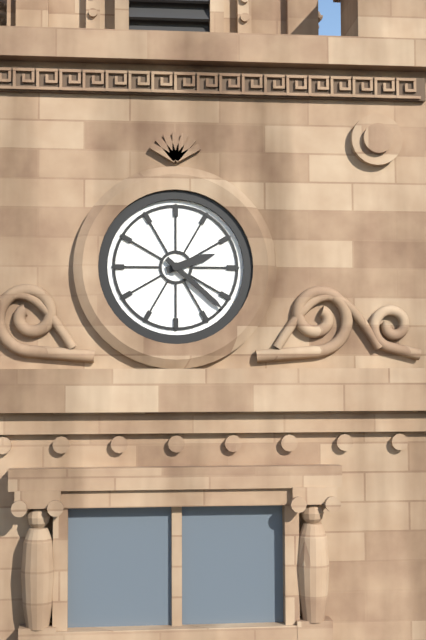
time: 2:22
